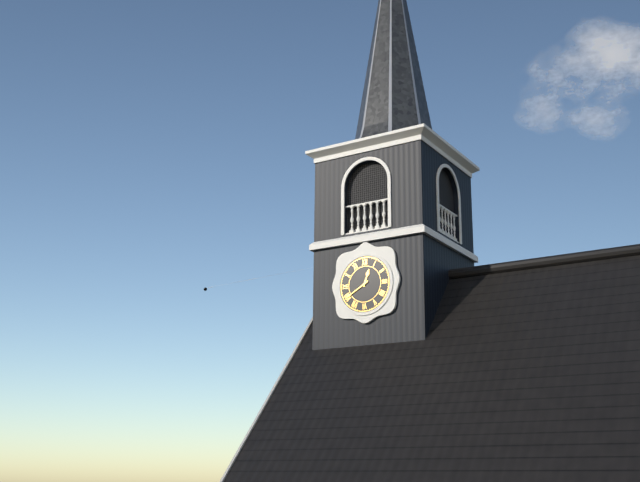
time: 12:40
